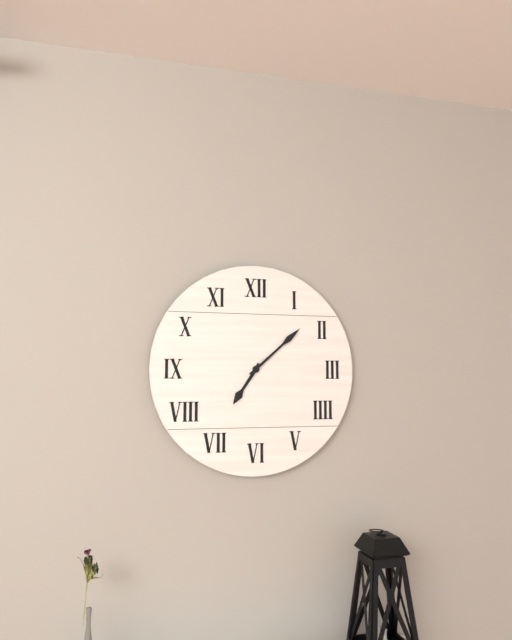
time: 7:08
